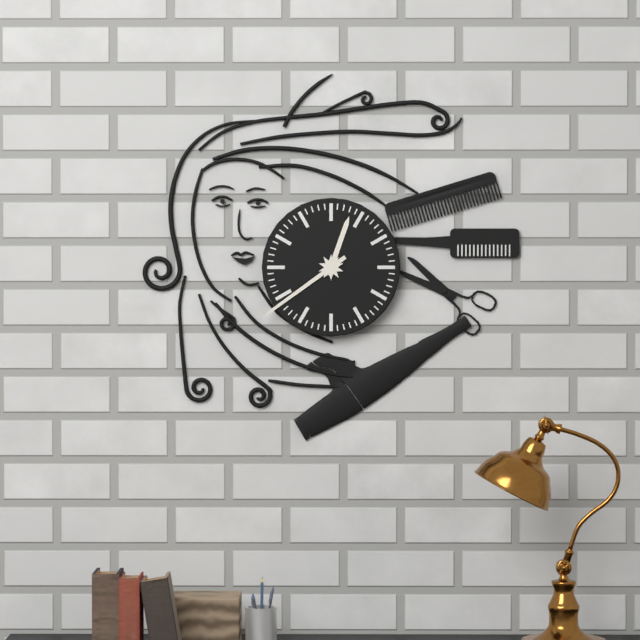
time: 12:39
